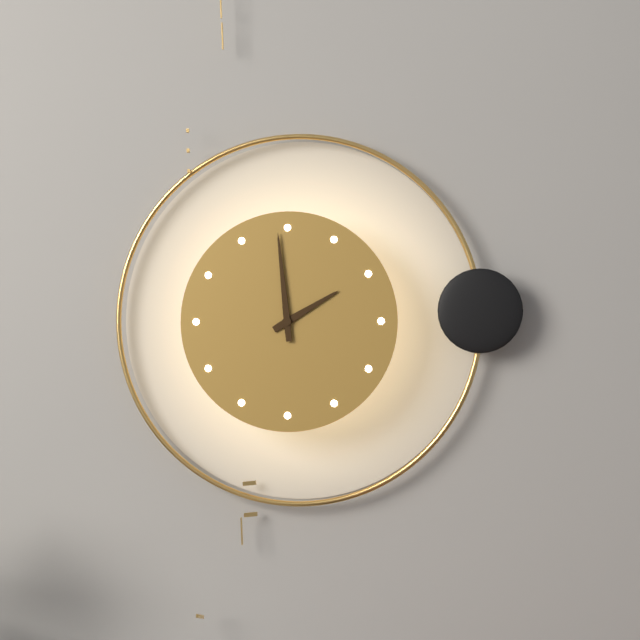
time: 1:59
